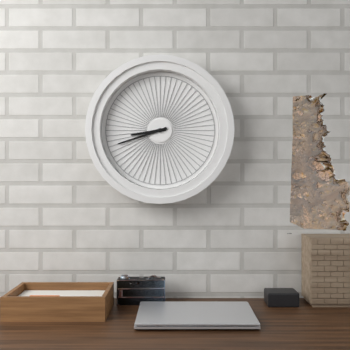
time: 8:42
